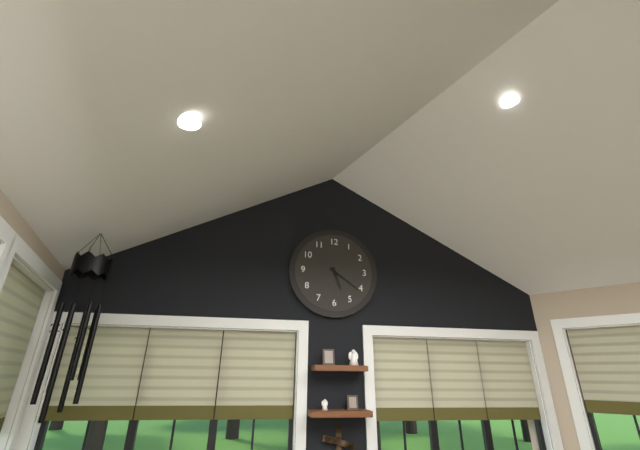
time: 5:21
